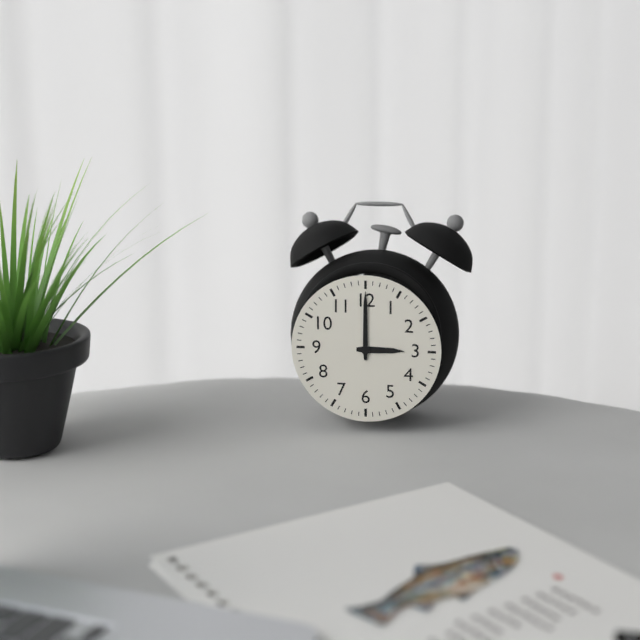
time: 3:00
